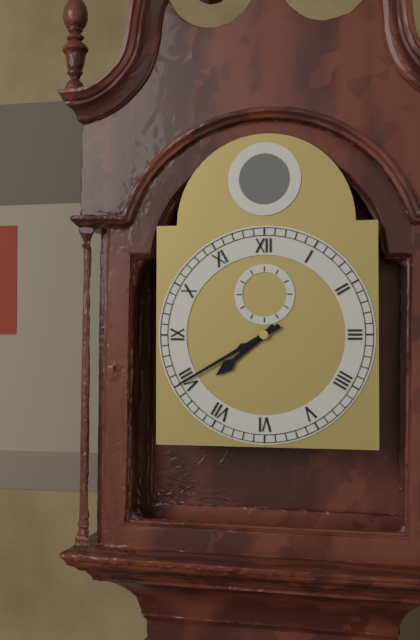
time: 7:40
